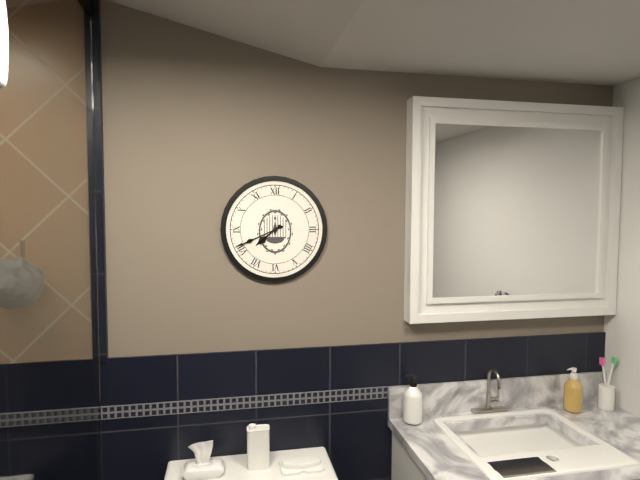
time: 7:41
